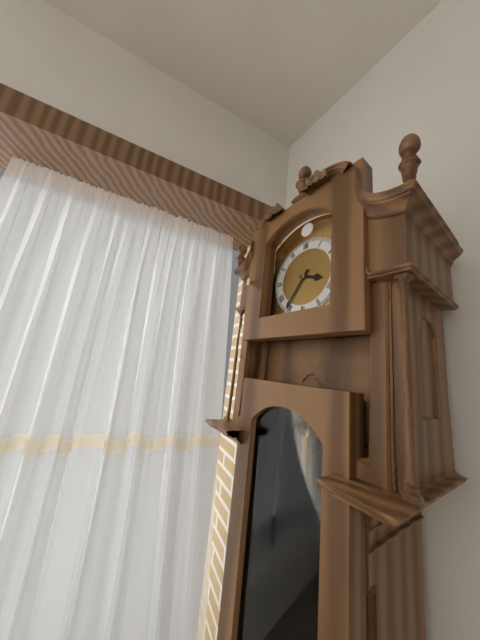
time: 3:36
